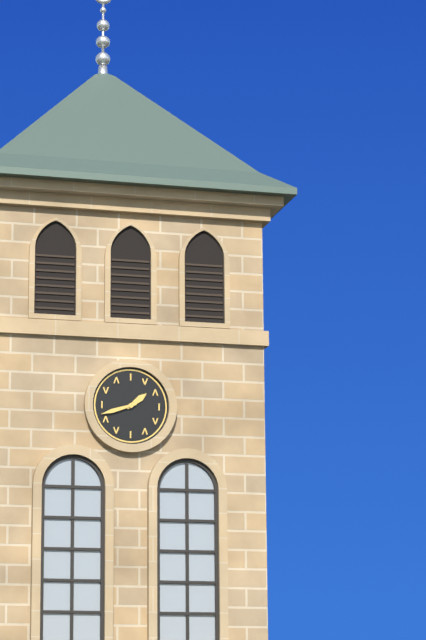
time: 1:42
